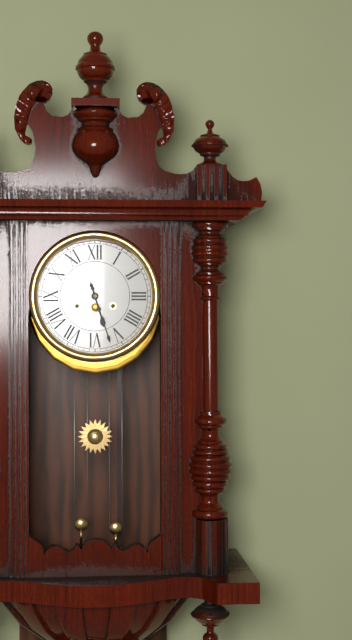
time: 5:27
